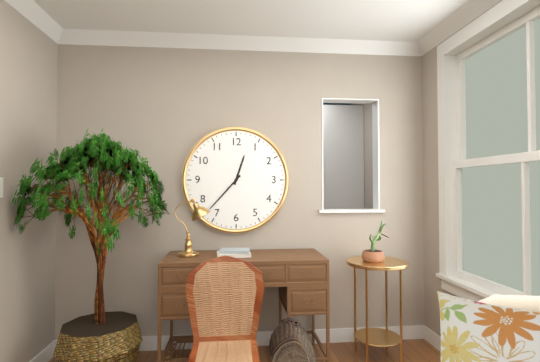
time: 12:37
